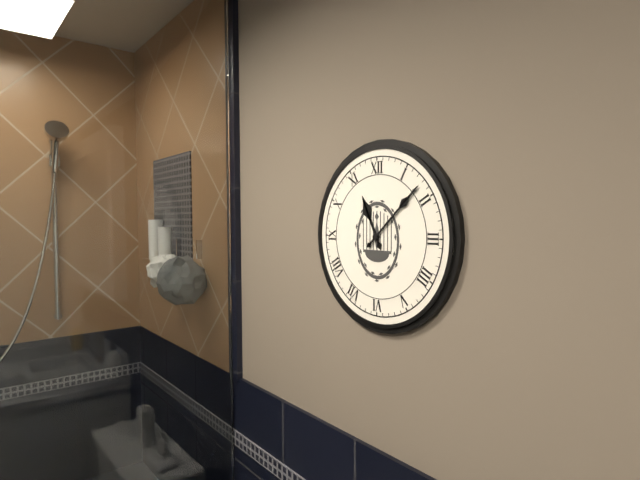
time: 11:08
